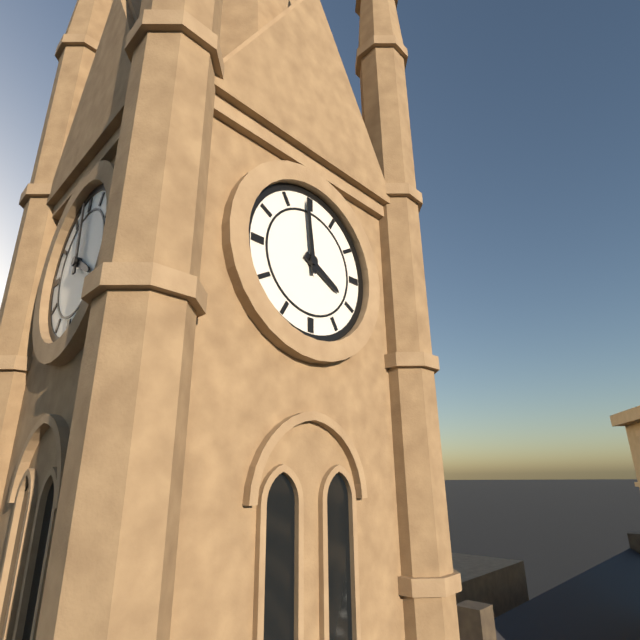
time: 3:59
